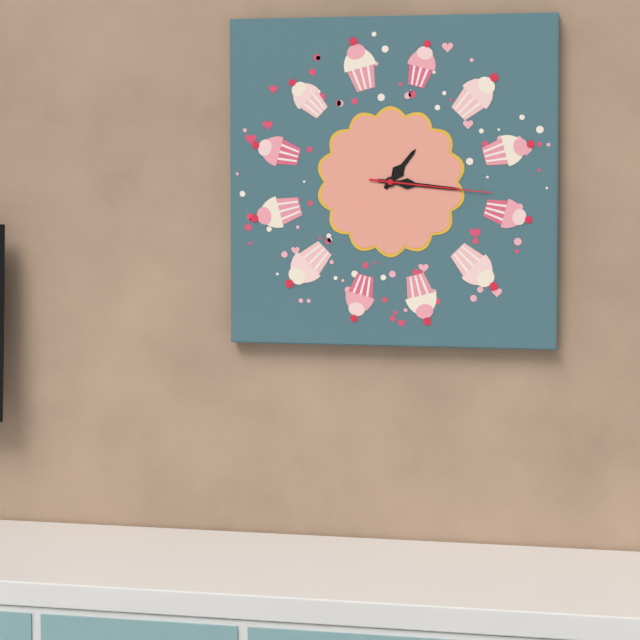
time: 1:16:16
